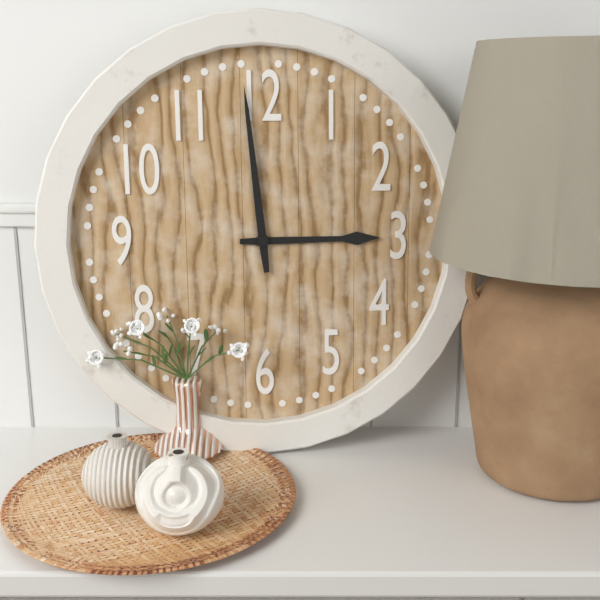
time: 2:59
